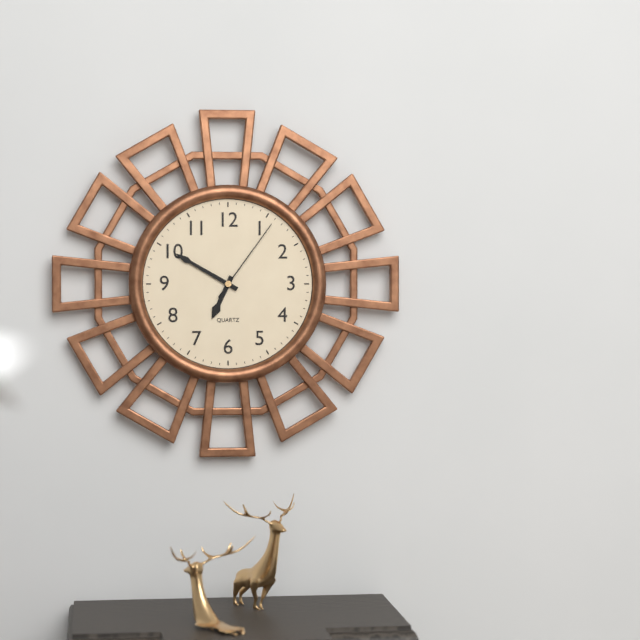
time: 6:50:06
